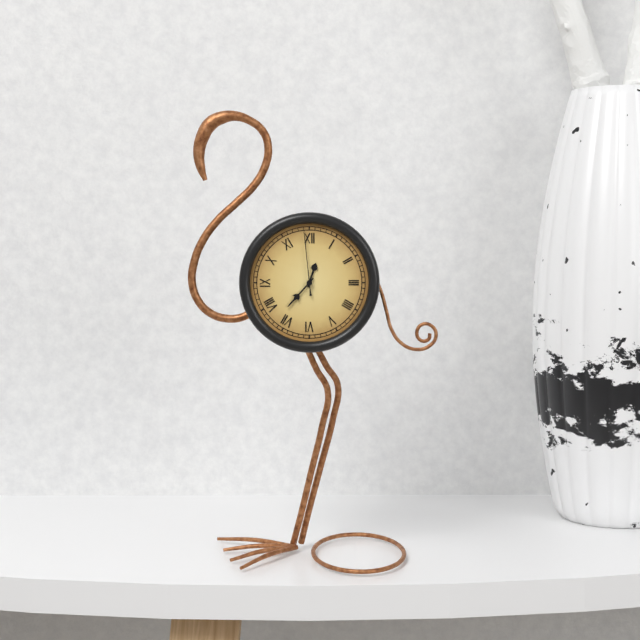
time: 12:37:59
